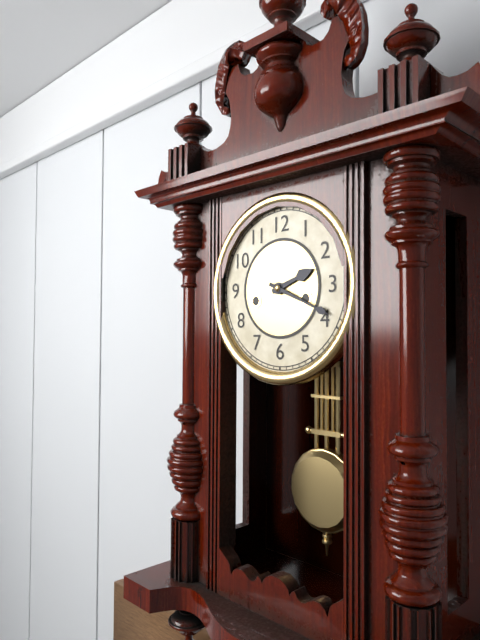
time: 2:19
